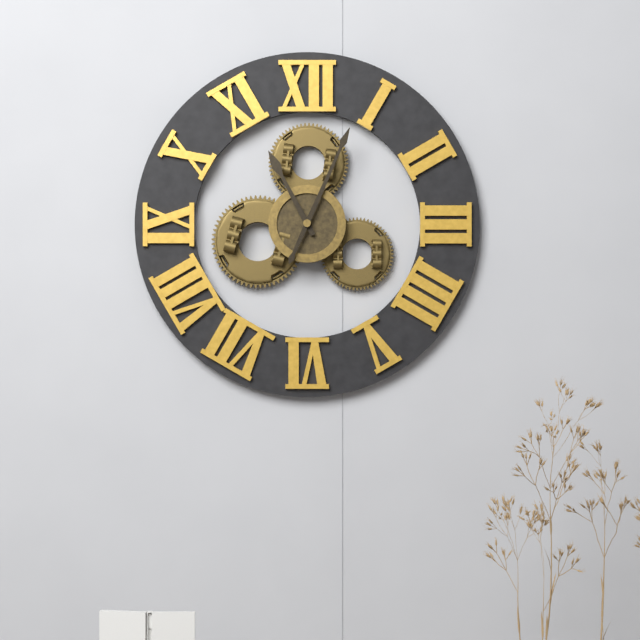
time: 11:04
